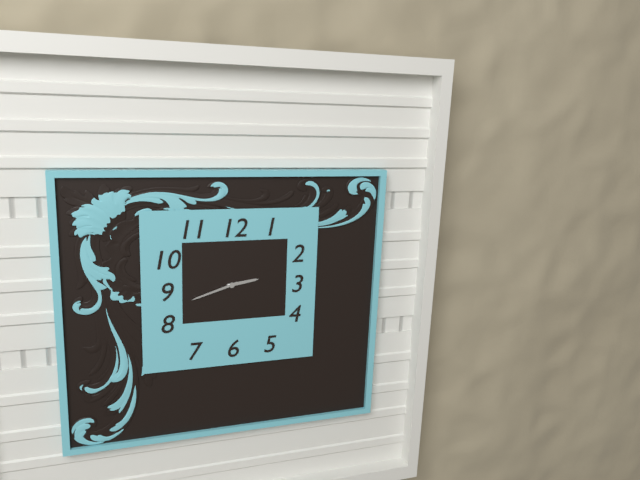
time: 2:42
